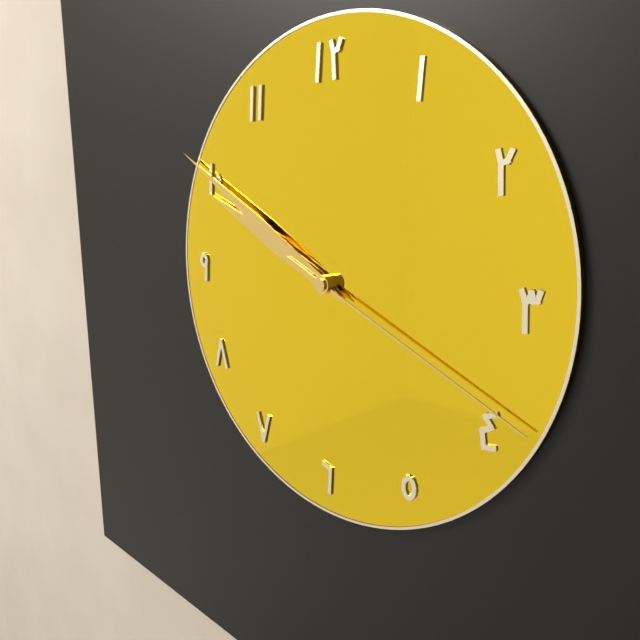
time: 9:50:19
